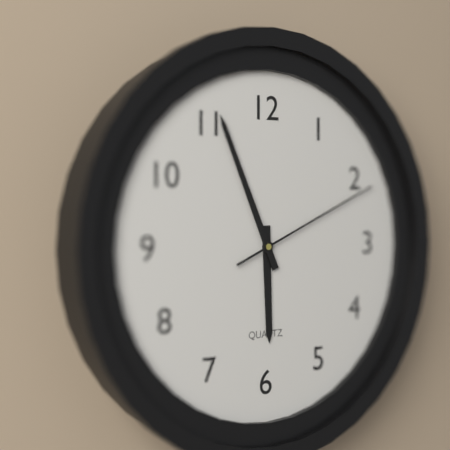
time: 5:56:11
